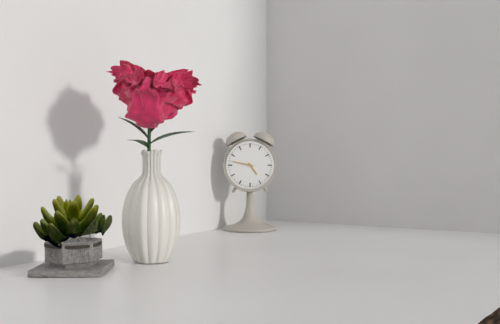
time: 4:47
